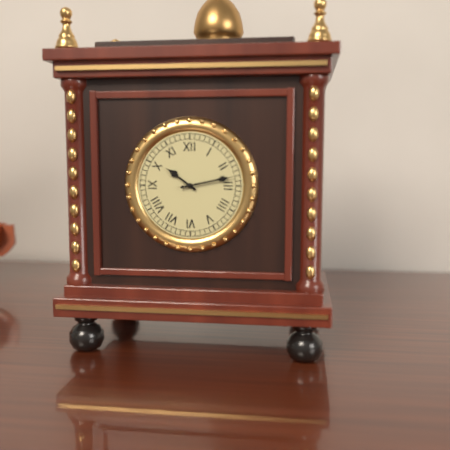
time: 10:13
